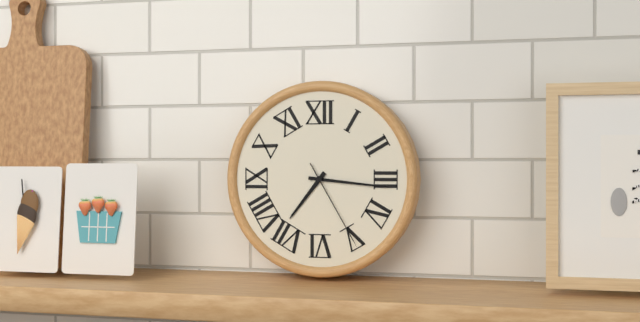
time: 7:16:25
